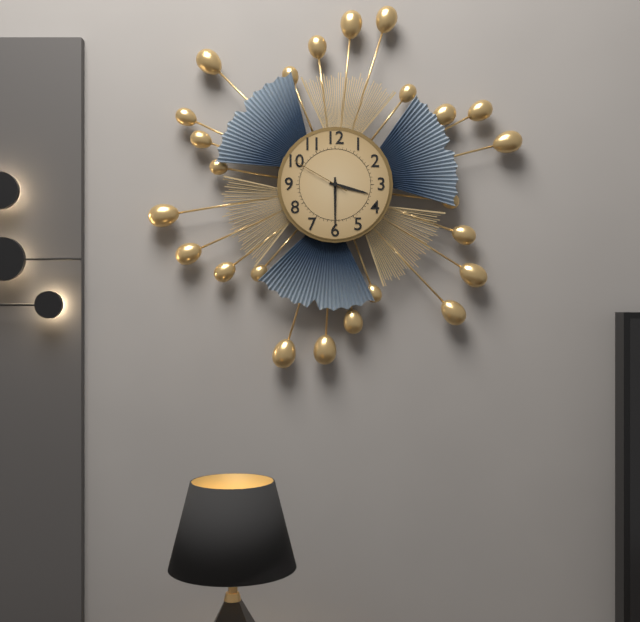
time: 3:30:50
